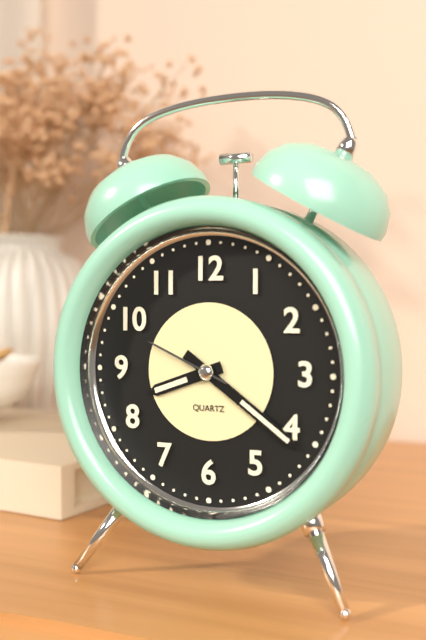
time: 8:21:49
